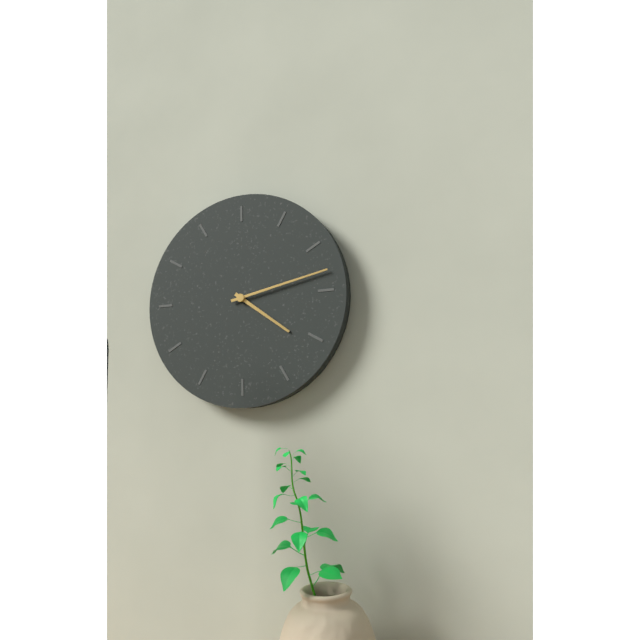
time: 4:13
